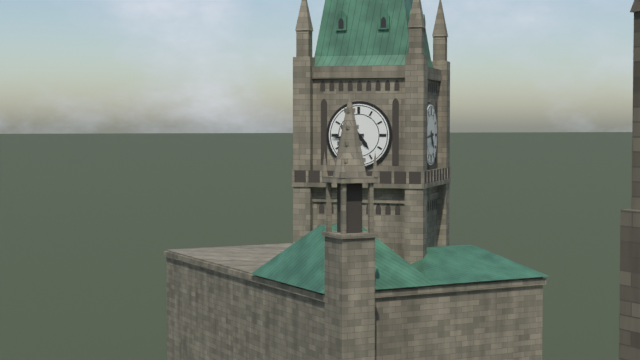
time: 4:44
